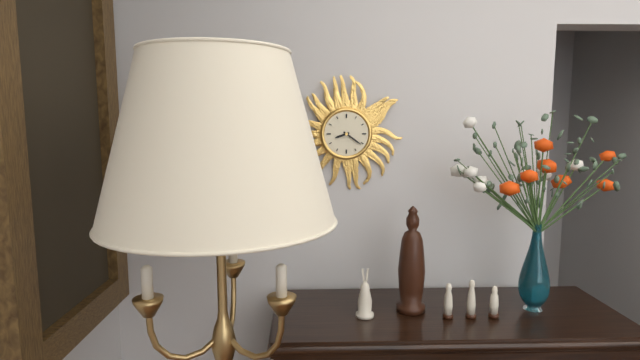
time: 8:21
